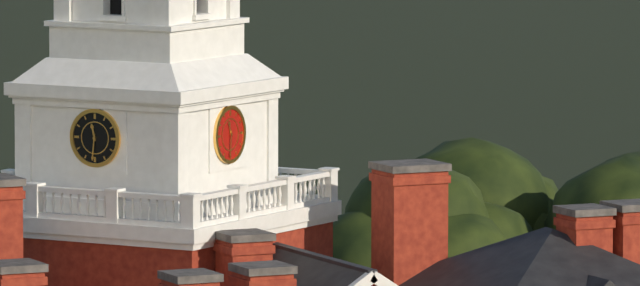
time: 11:31
